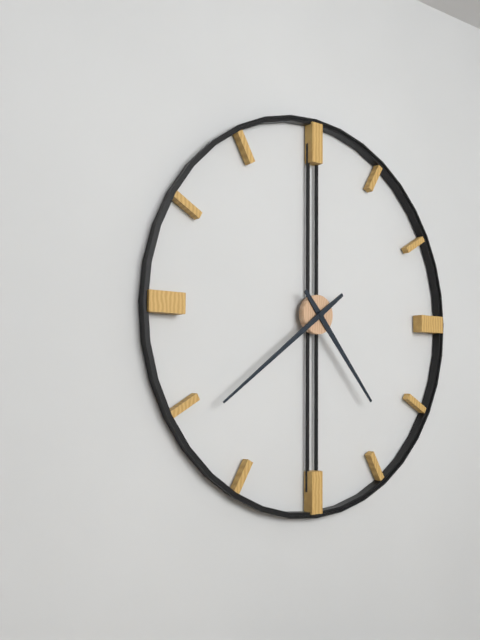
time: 4:39
